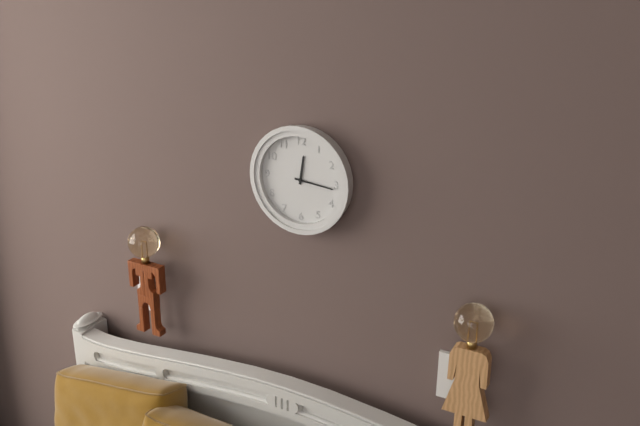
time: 12:16
